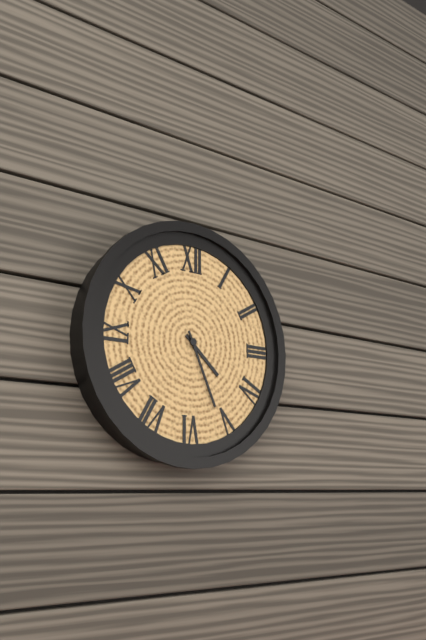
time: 4:26
